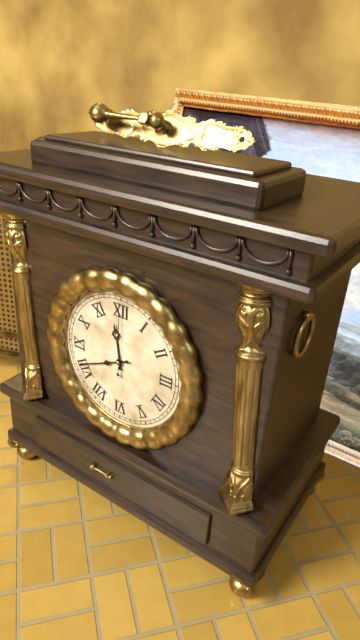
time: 11:41:00
